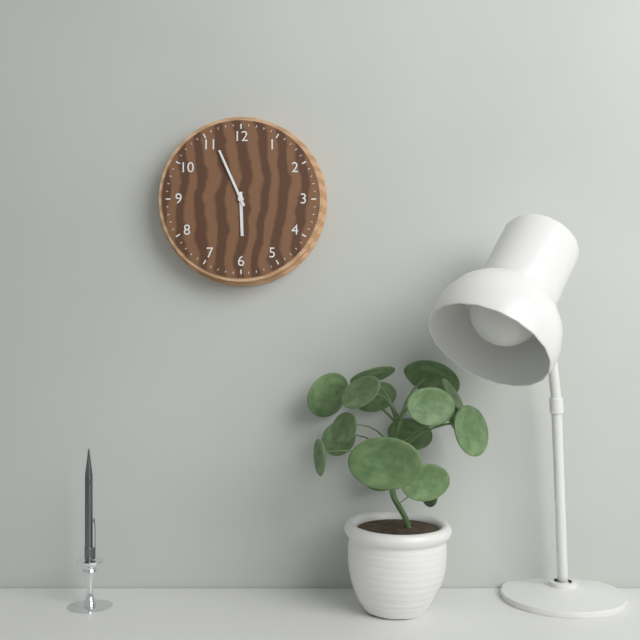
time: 5:56
